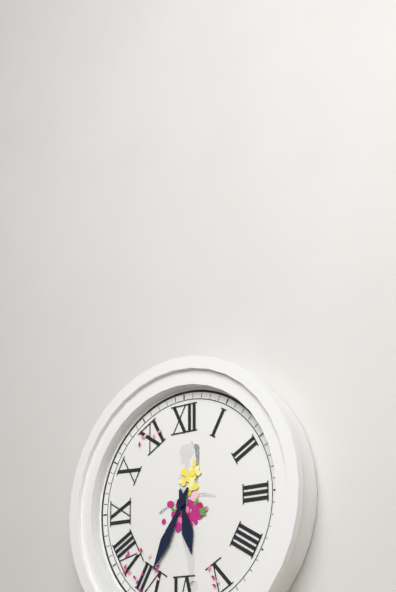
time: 5:35
